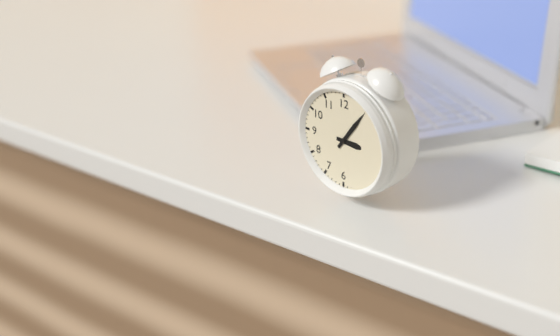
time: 3:06
